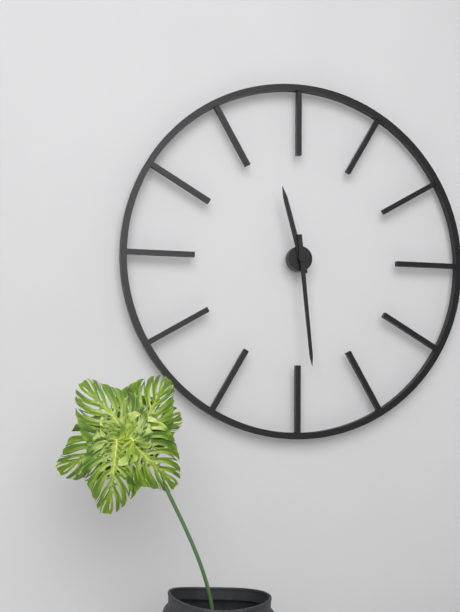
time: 11:29
